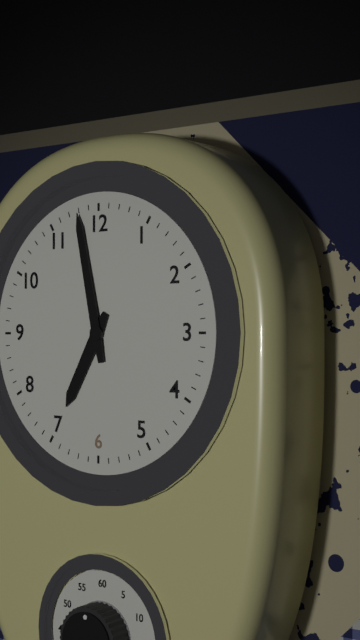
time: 6:58
